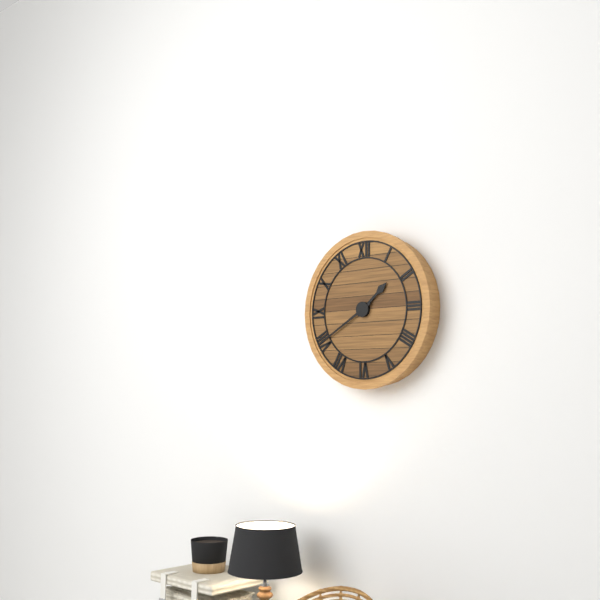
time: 1:40
